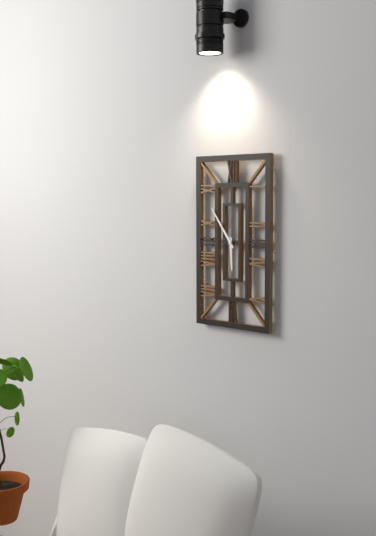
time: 5:54
